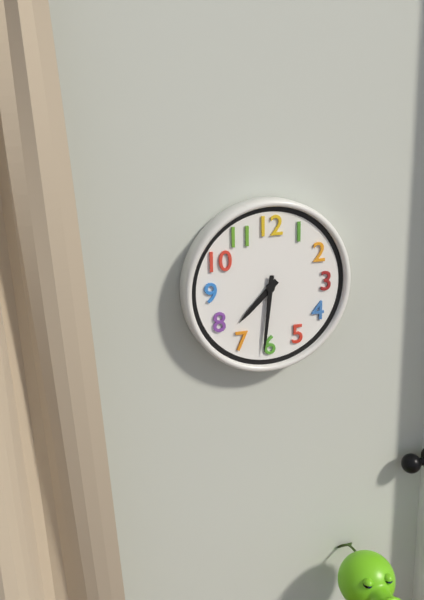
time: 7:31
